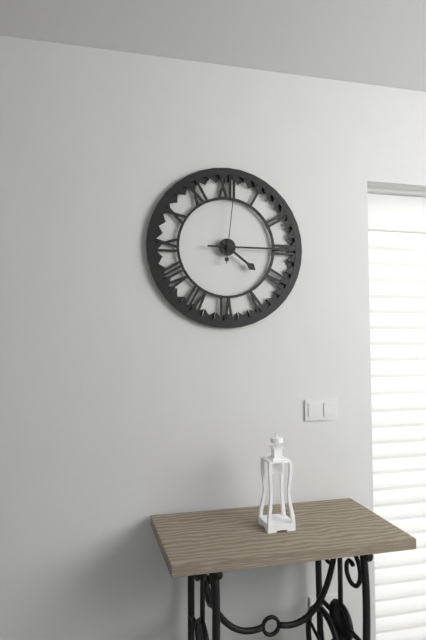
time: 4:15:01
